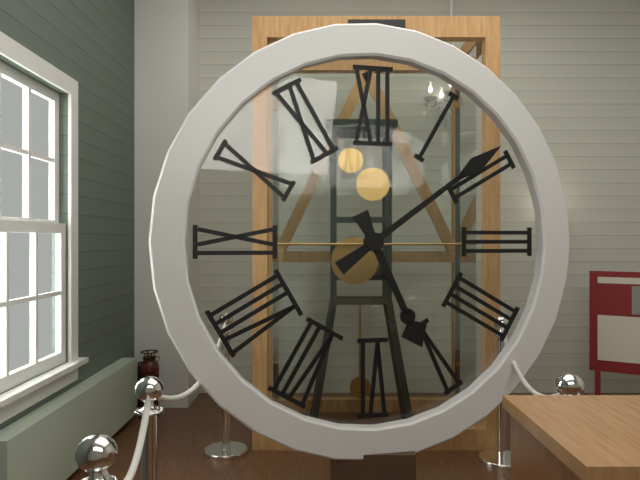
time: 5:09
